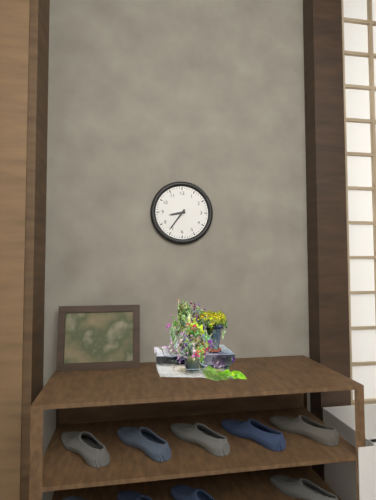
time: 8:36
